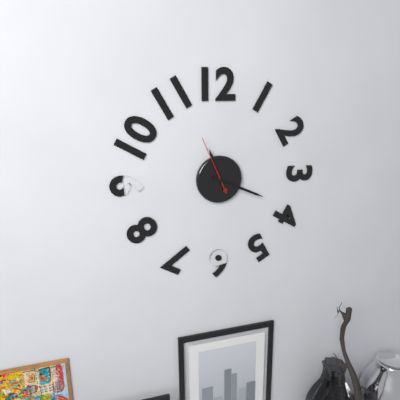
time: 11:19:56
